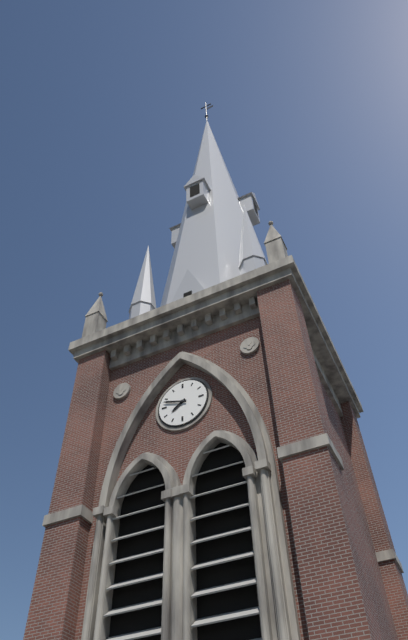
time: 7:48
